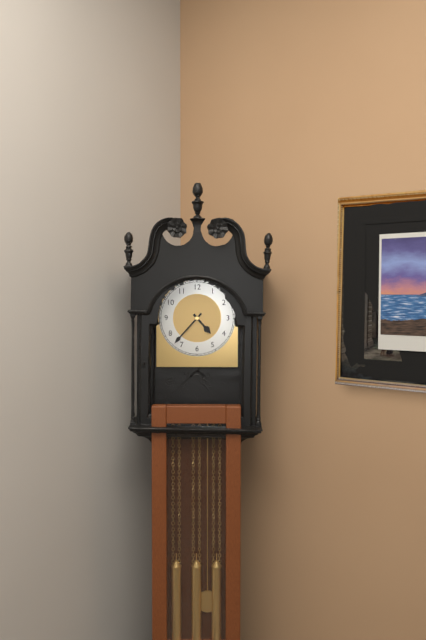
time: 4:37
